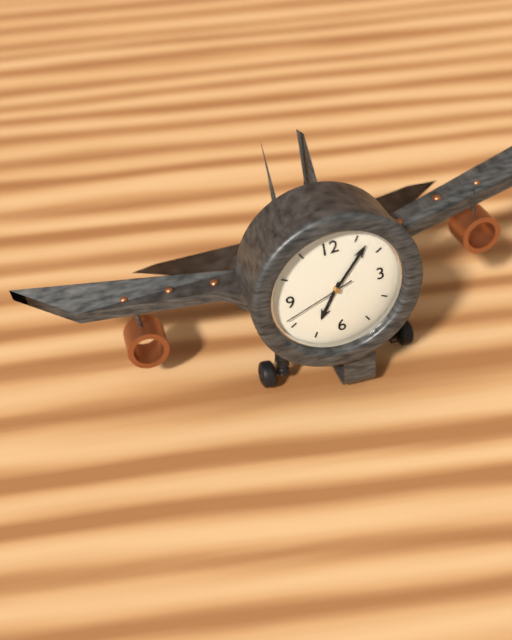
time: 7:07:42
